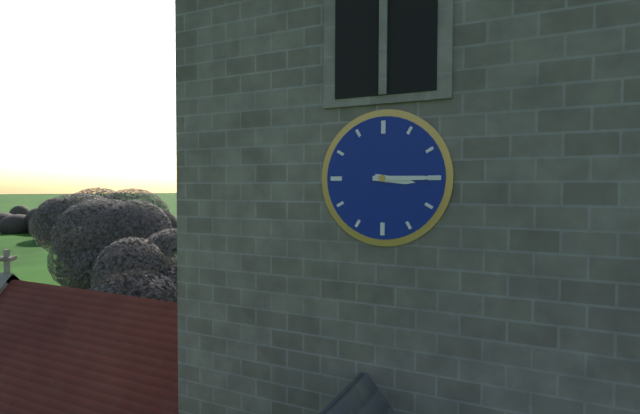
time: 3:15
